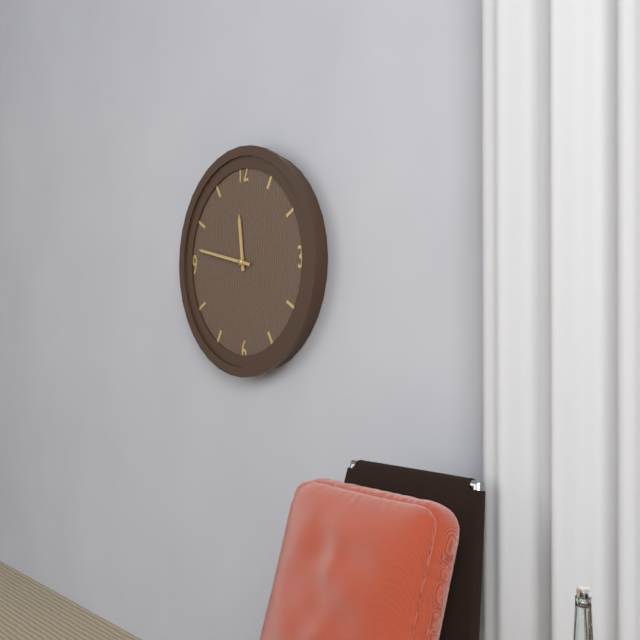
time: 11:47
